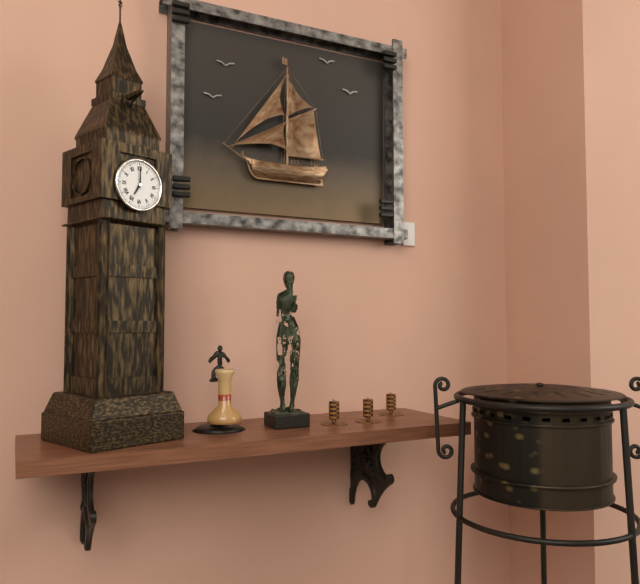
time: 7:00
